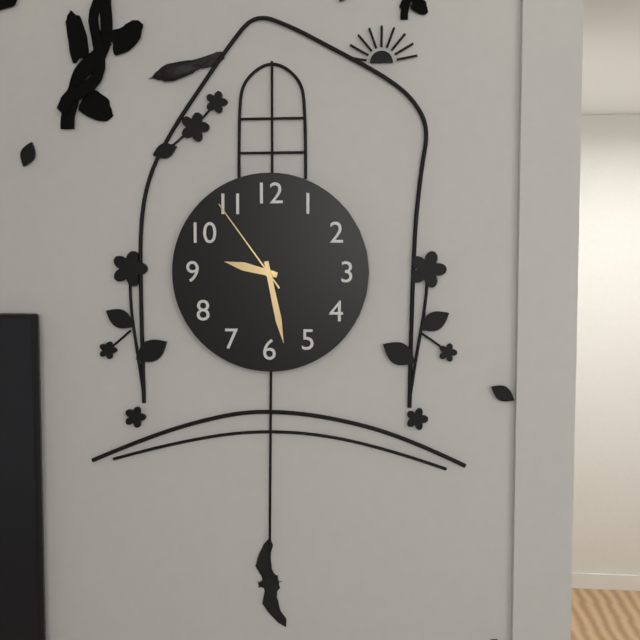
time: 9:28:54
